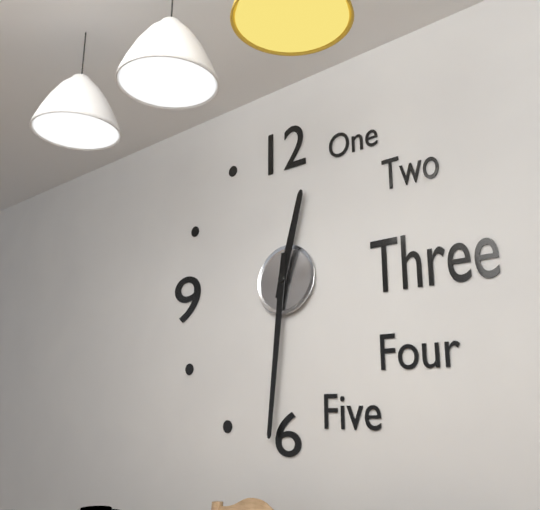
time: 12:31
